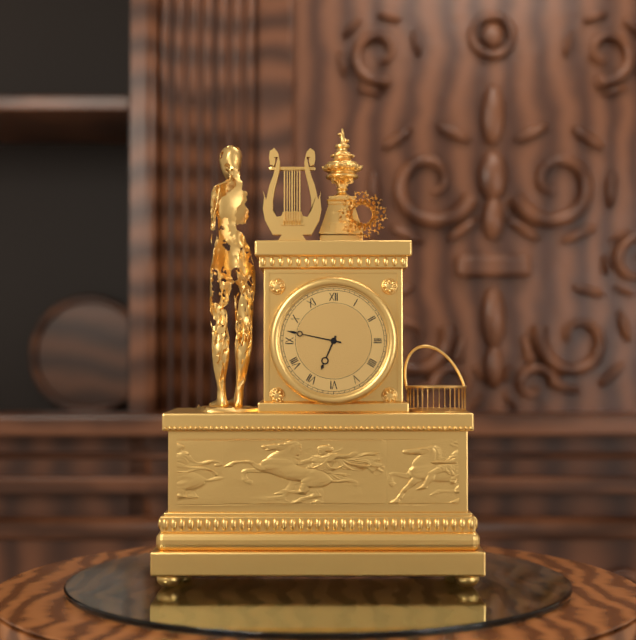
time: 6:47
